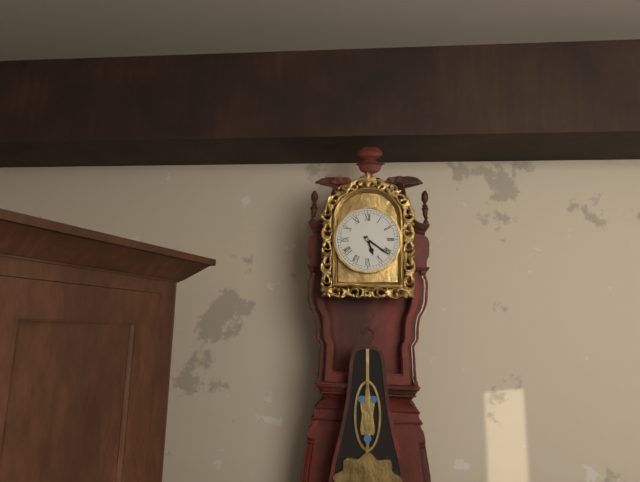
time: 5:21
